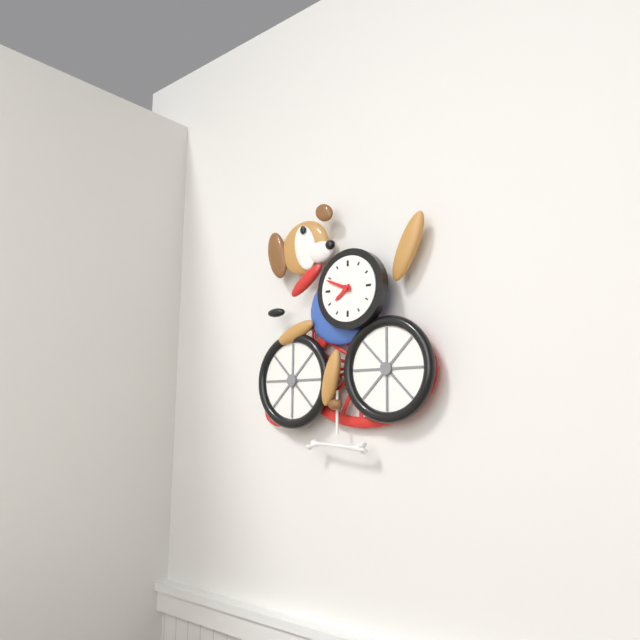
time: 7:49
